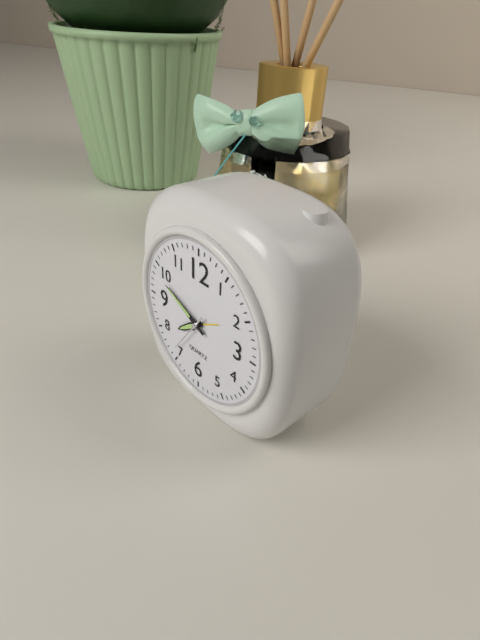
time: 7:49
